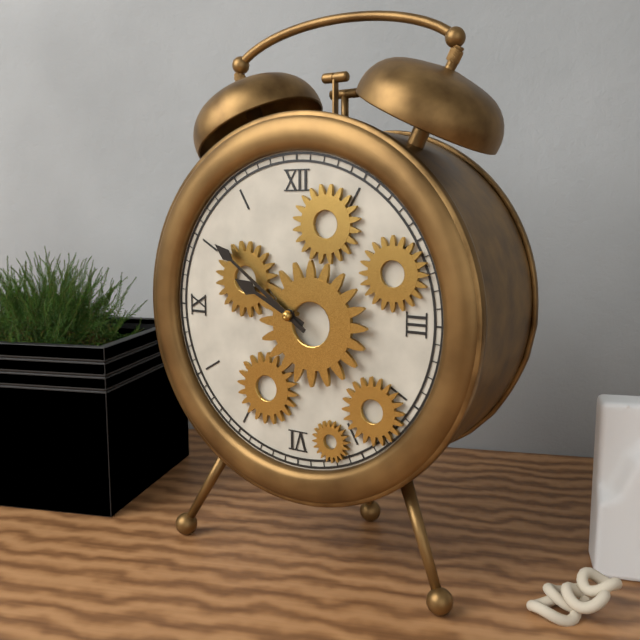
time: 9:51
